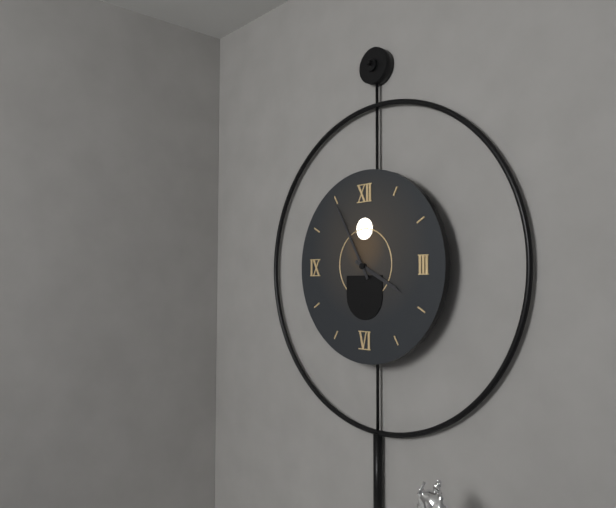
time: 3:55
